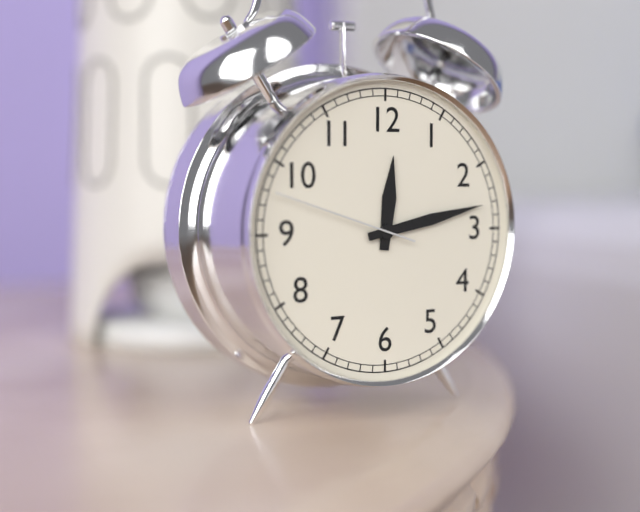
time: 12:13:48
